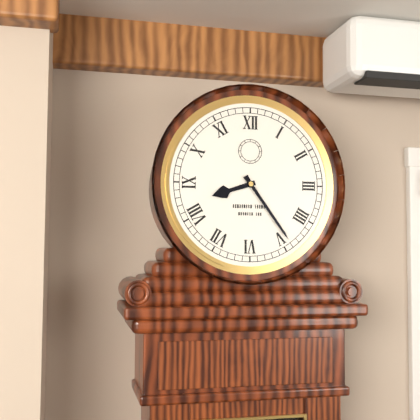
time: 8:24
